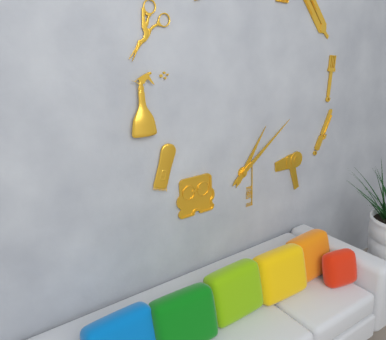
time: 1:09
